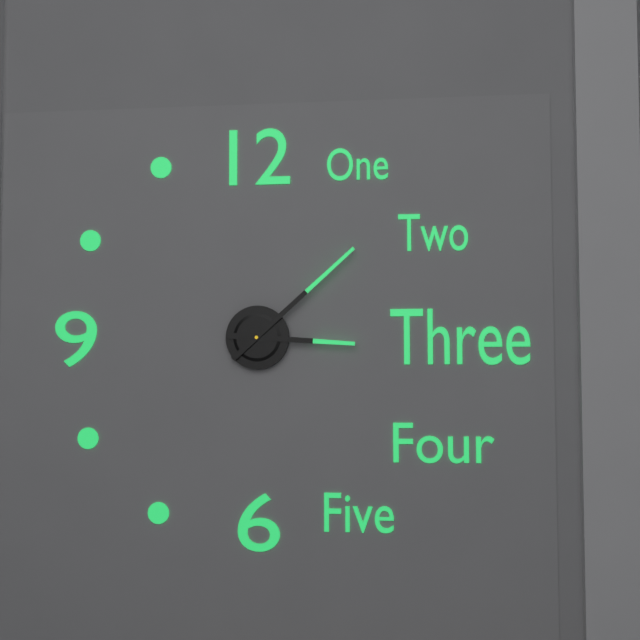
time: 3:08
